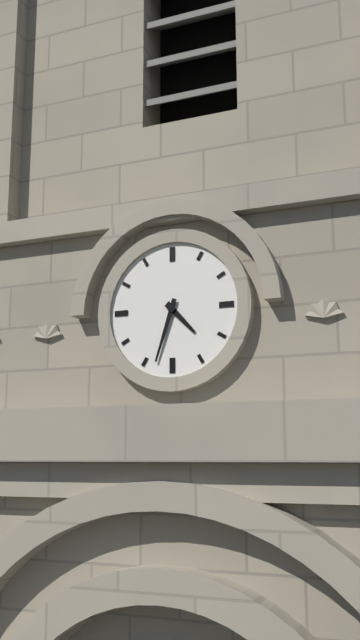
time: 4:33
